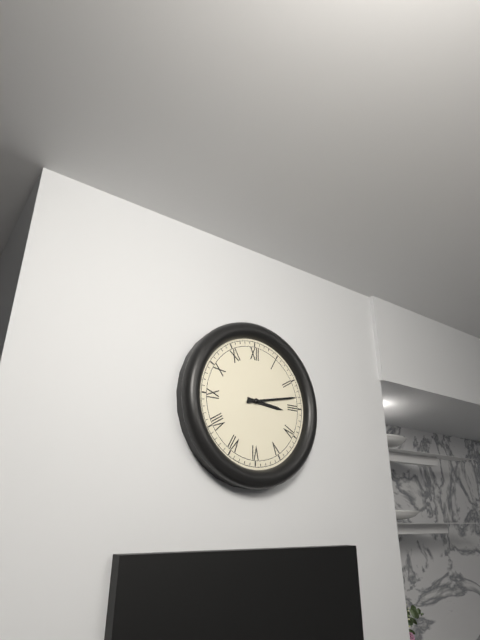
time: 3:13
